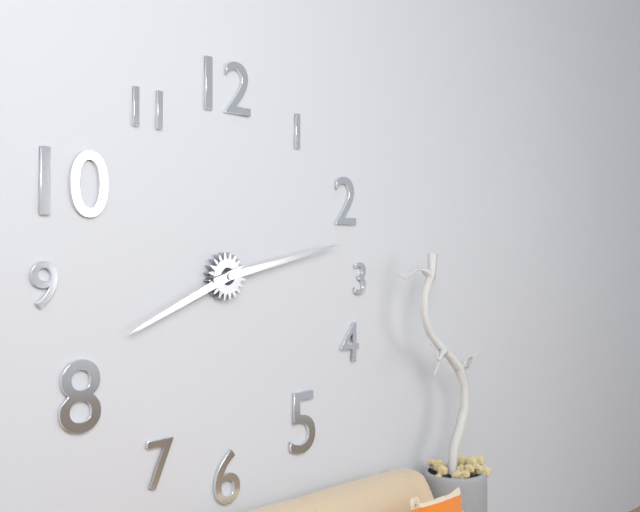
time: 8:13
